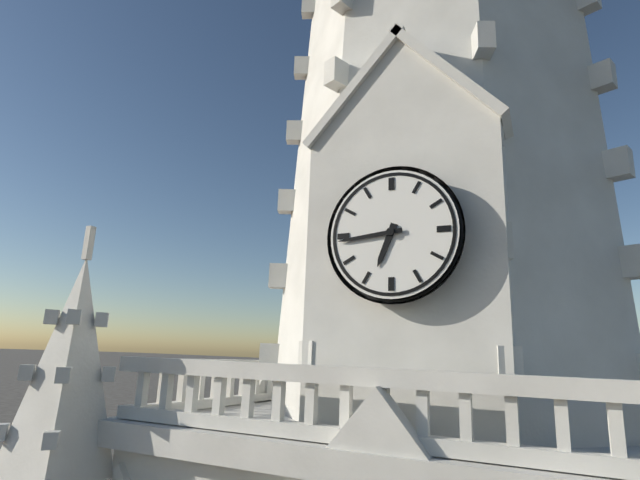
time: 6:44
